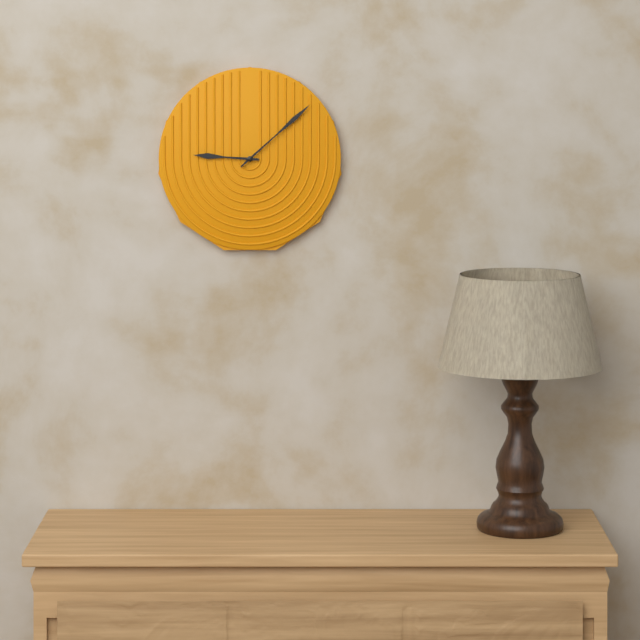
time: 9:08
